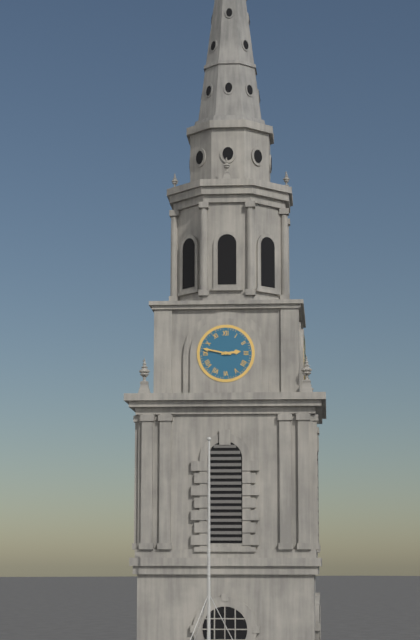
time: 2:47
